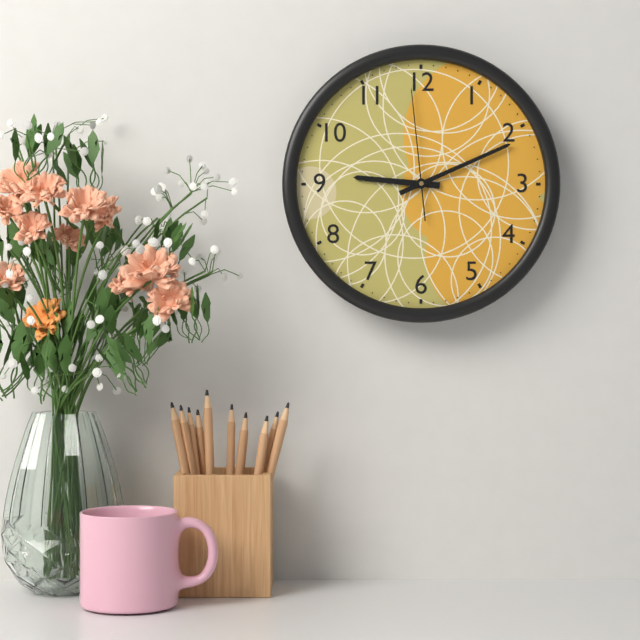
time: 9:11:59
